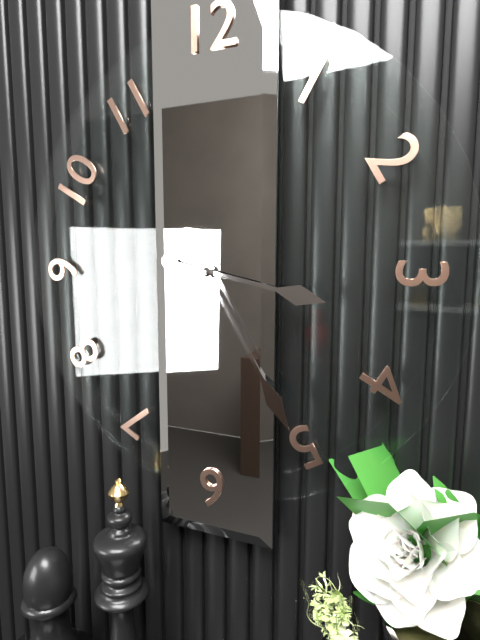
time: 3:25
